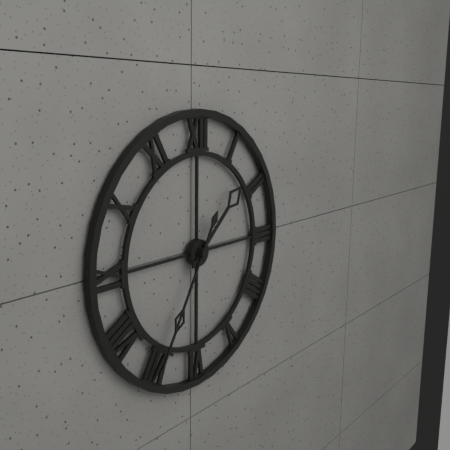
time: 1:35
